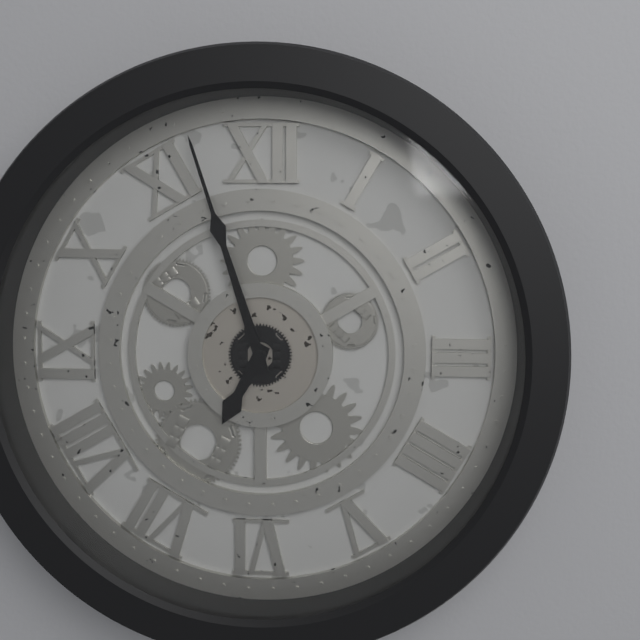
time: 6:57
